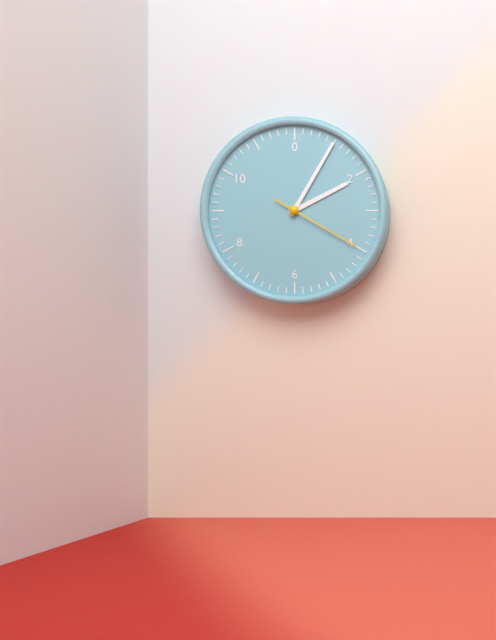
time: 2:05:20
